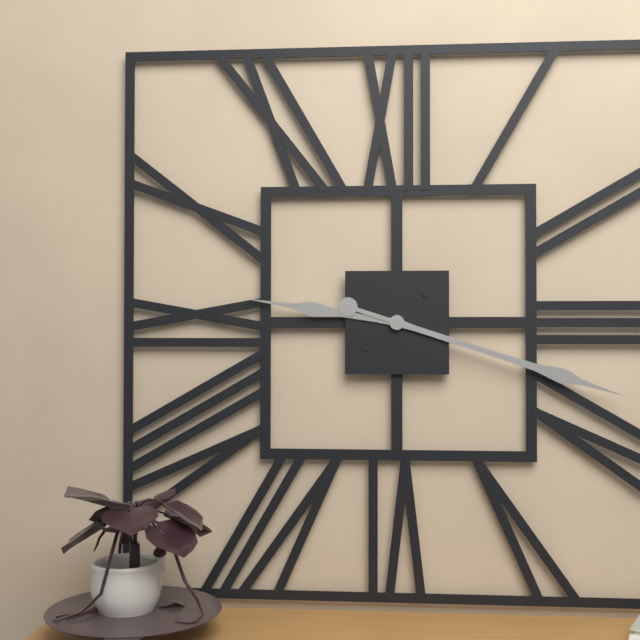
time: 9:18
